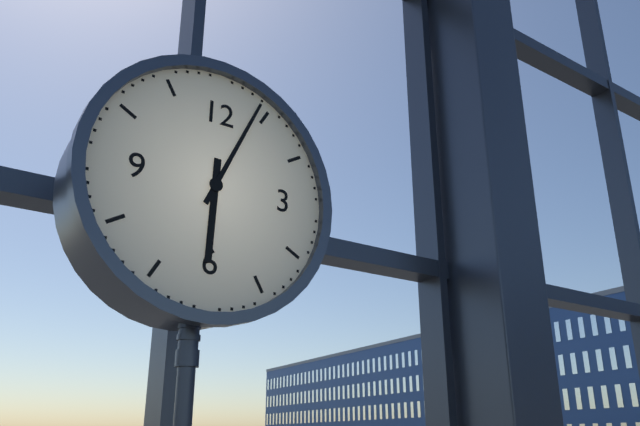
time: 6:04
